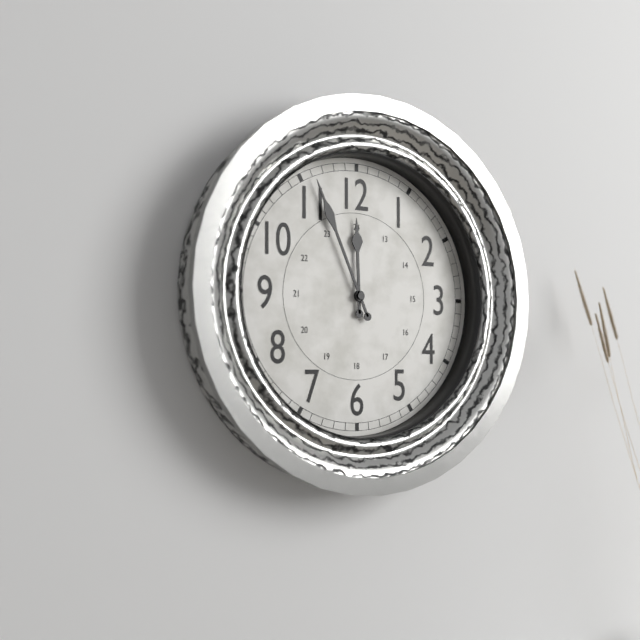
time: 11:56
